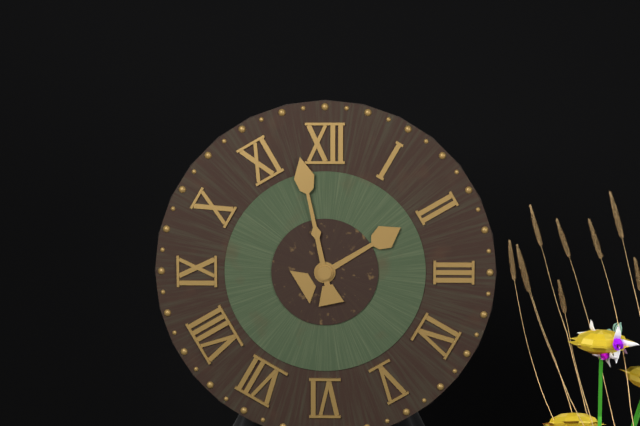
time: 1:58
